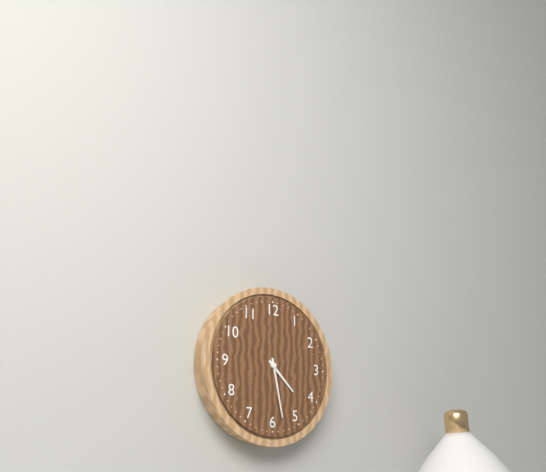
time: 4:28
